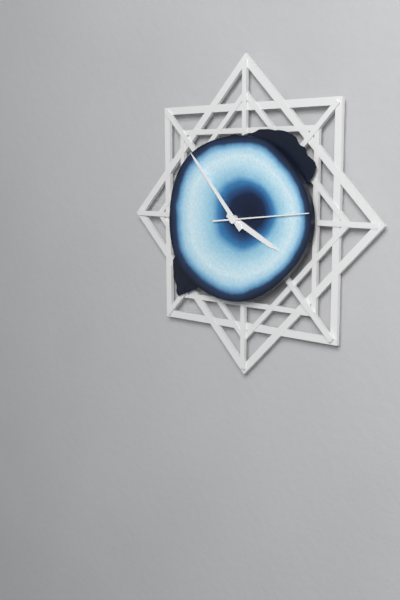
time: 3:53:14
